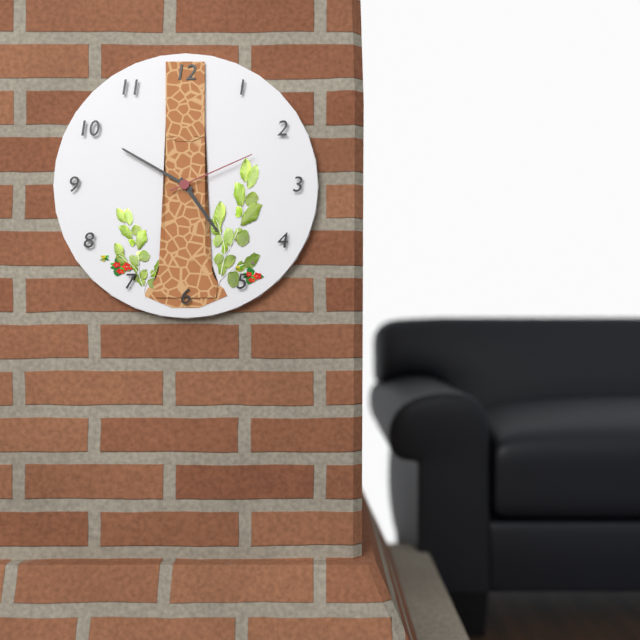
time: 4:50:11
